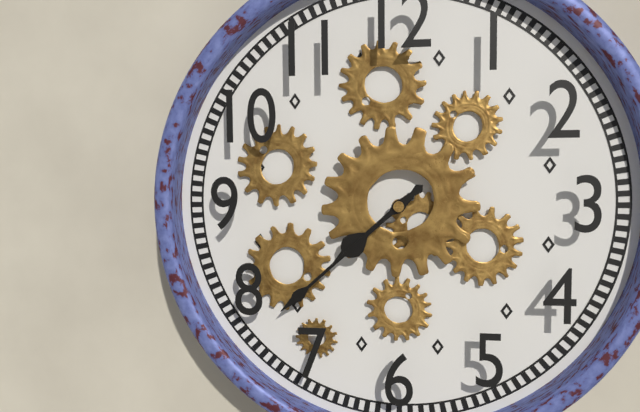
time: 7:38
